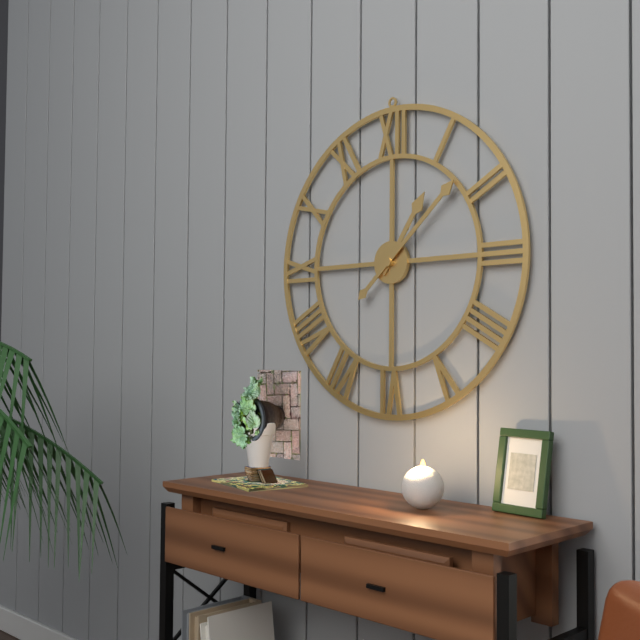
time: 1:08
